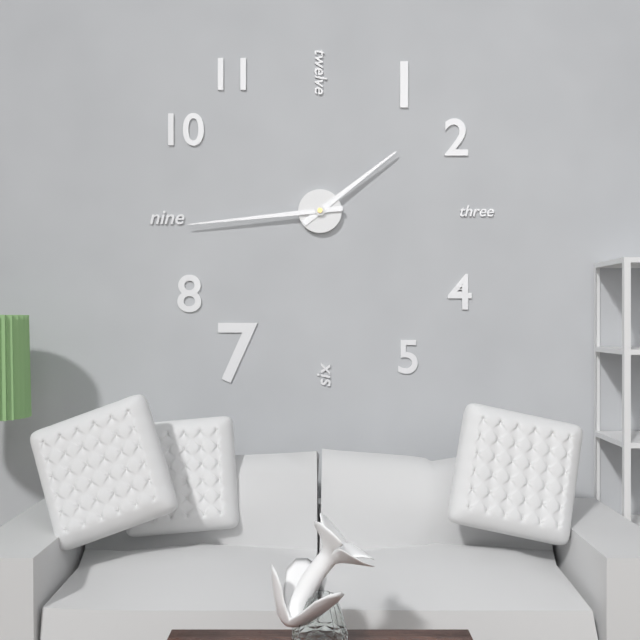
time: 1:44
